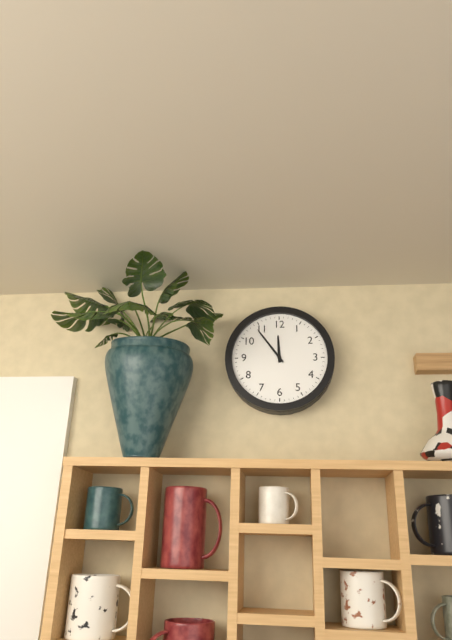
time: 11:54
